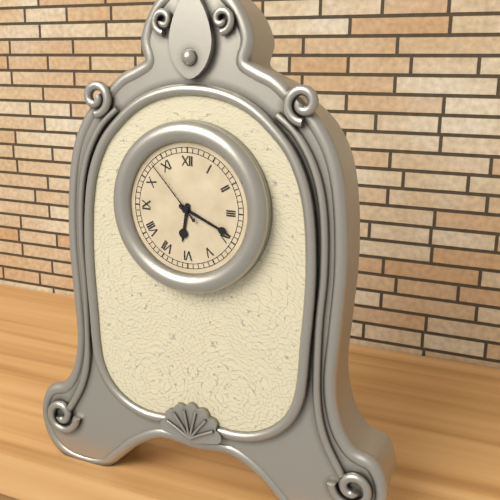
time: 6:19:53
